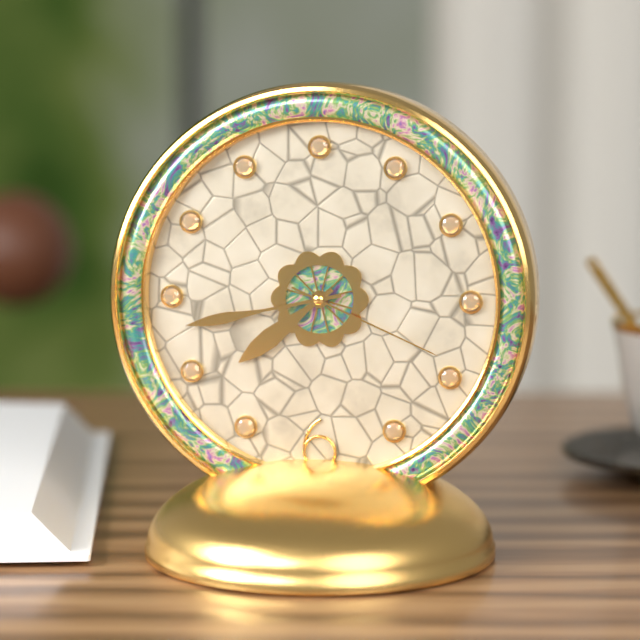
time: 7:43:19
